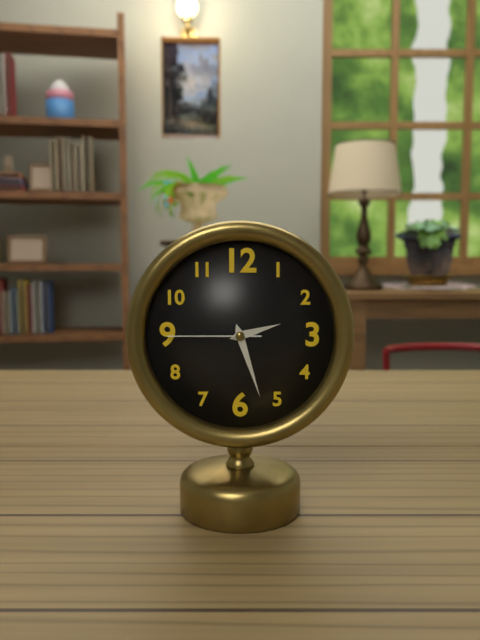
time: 2:27:45
